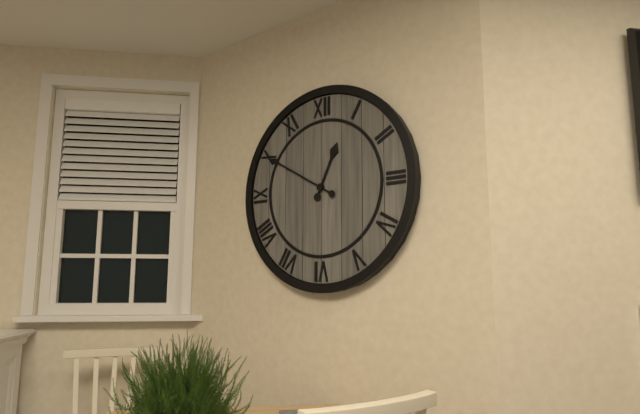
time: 12:50
